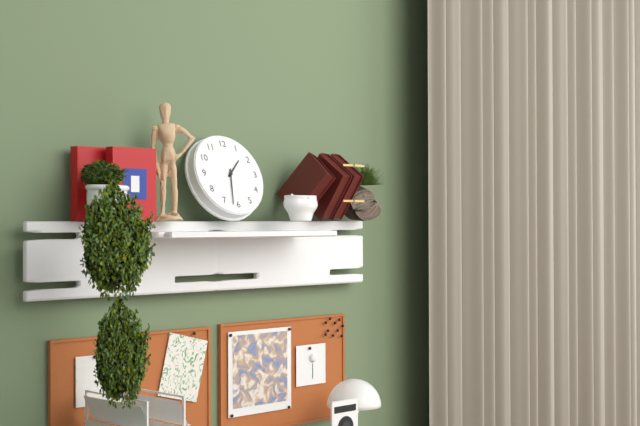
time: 1:32
